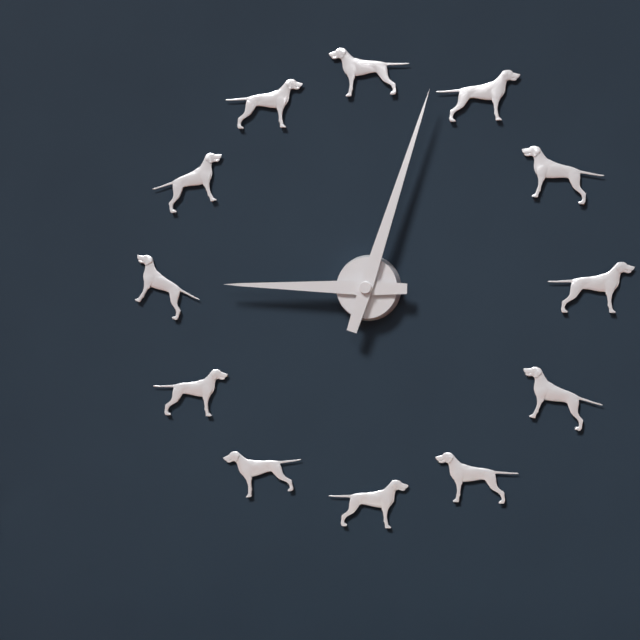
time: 9:03
